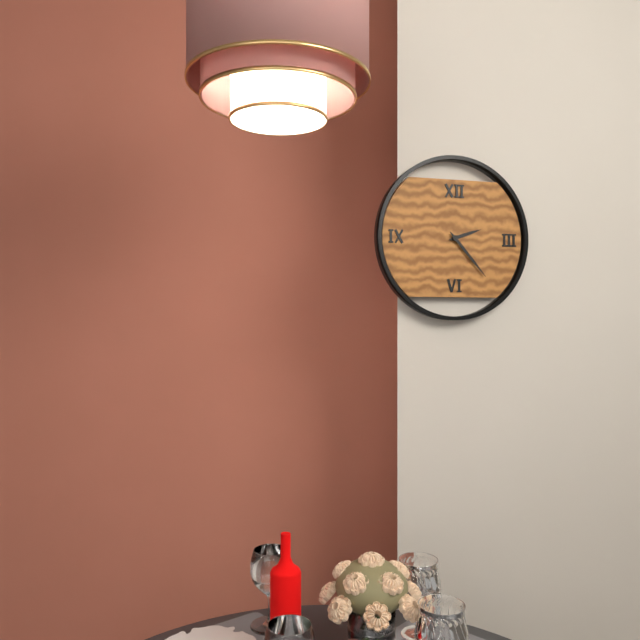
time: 2:23
